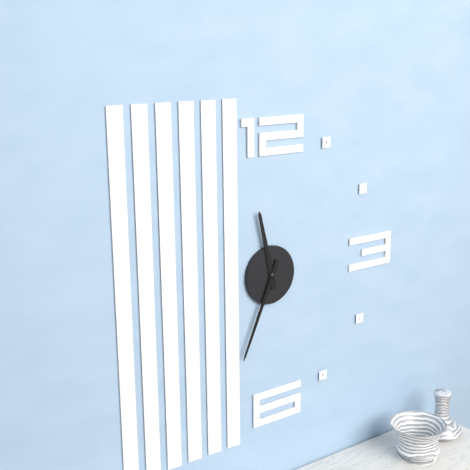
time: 11:34
